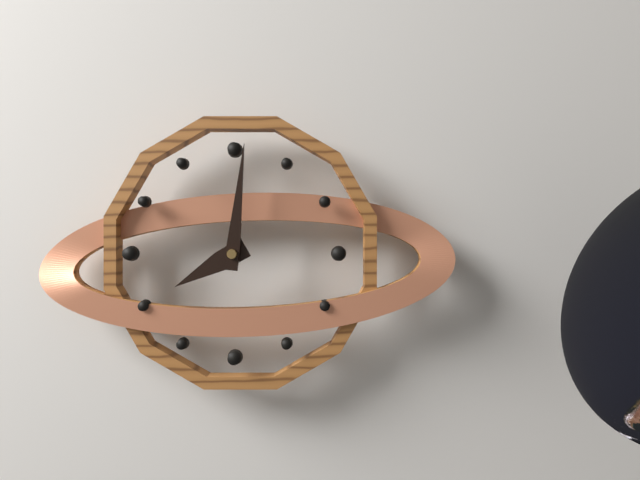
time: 8:01
